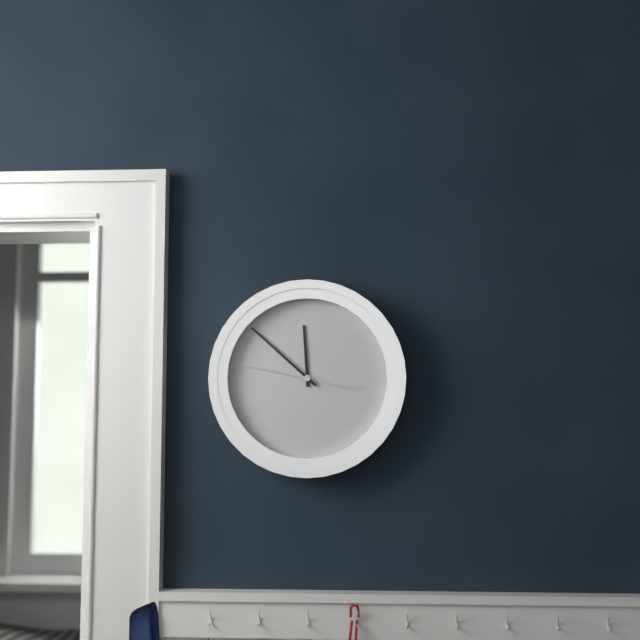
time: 11:52:47
